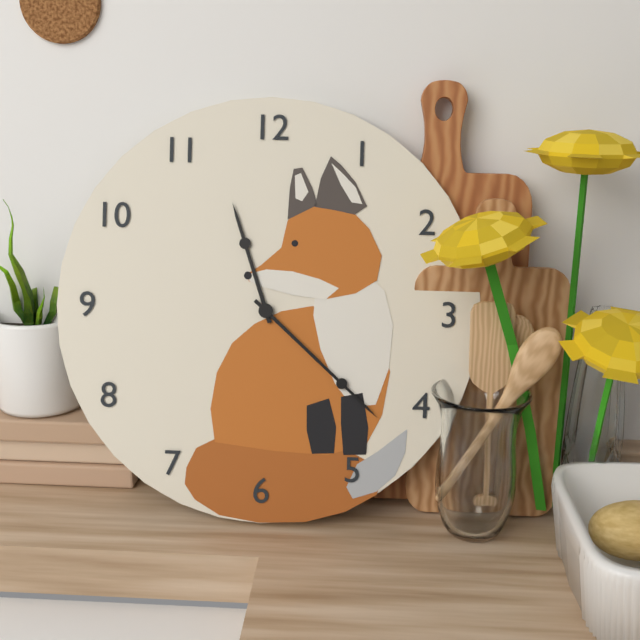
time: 11:22
